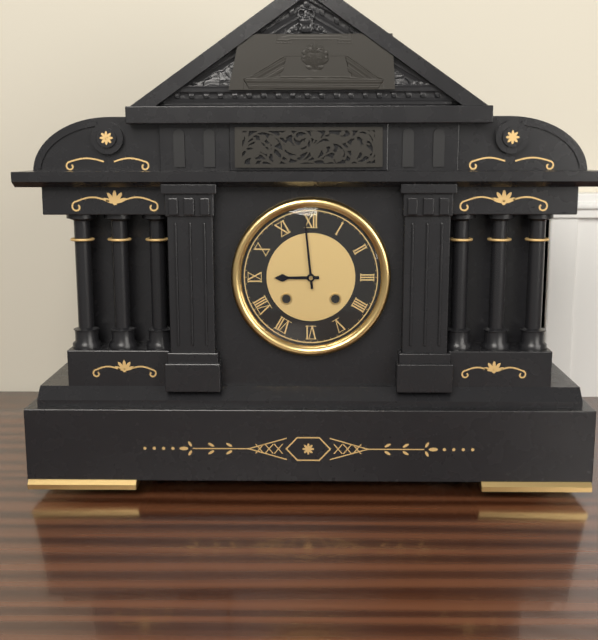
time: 8:59
